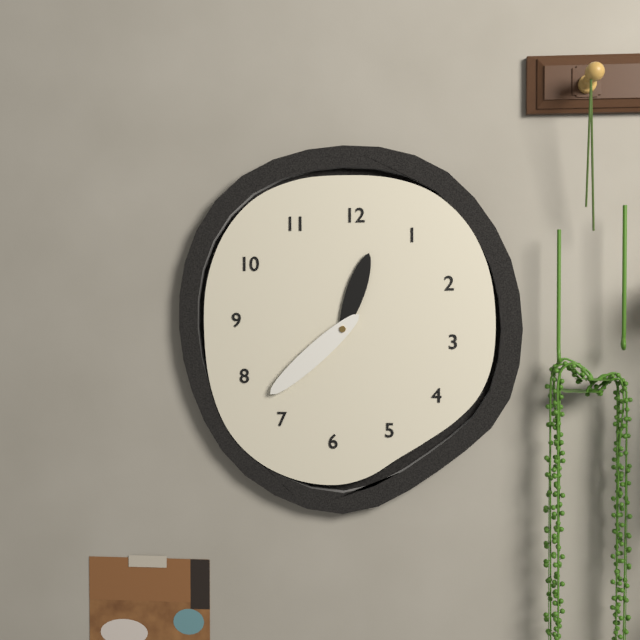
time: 12:38
